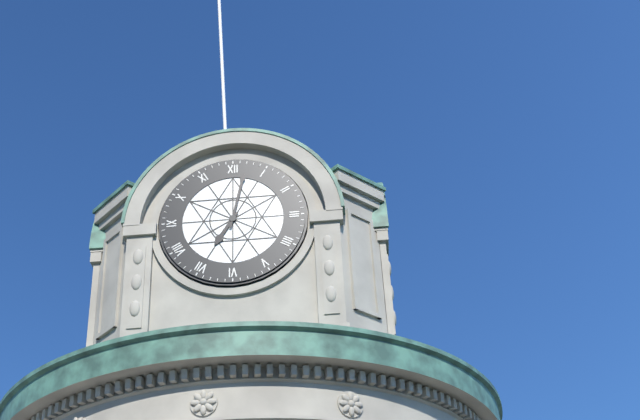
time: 7:02
